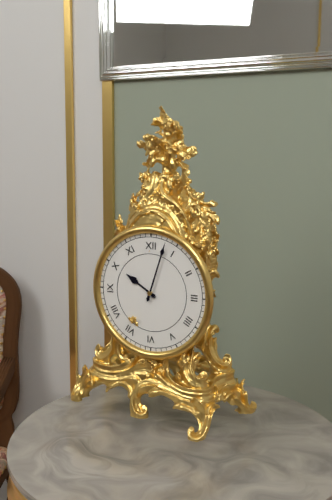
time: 10:03
